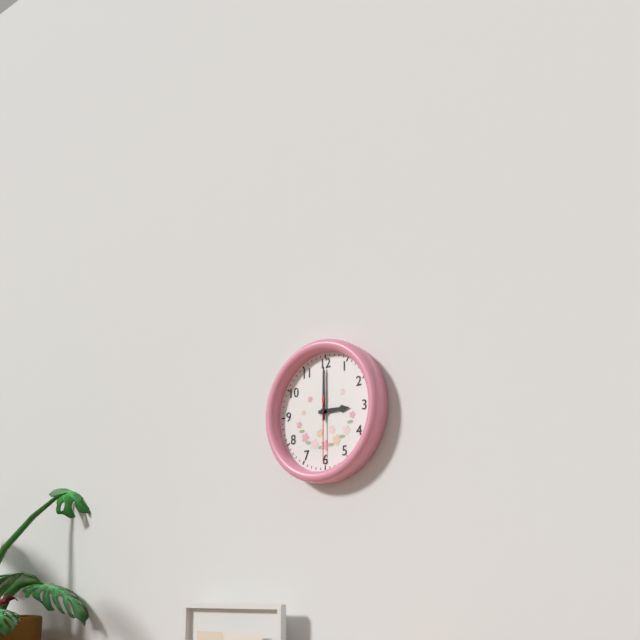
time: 3:00:30
